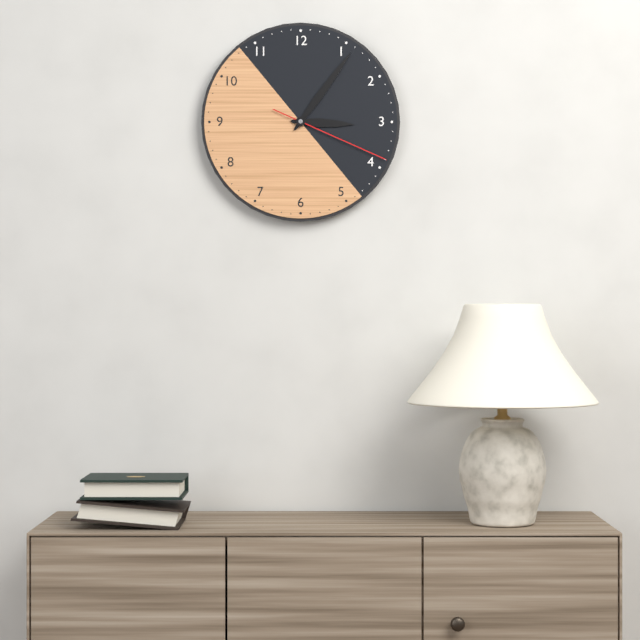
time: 3:06:19
